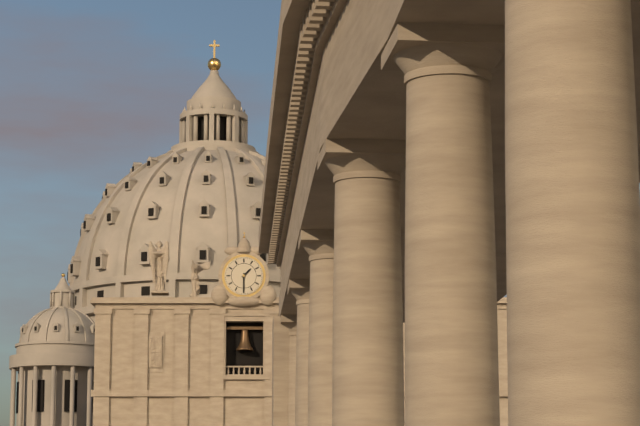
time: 1:30
